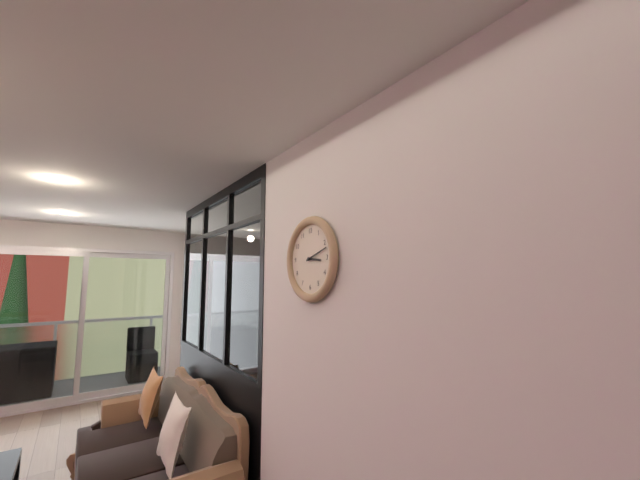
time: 3:12
